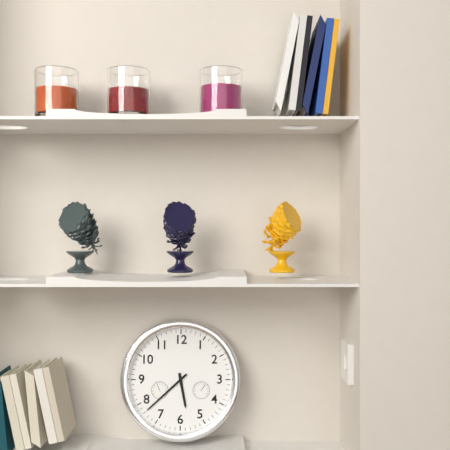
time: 5:38
